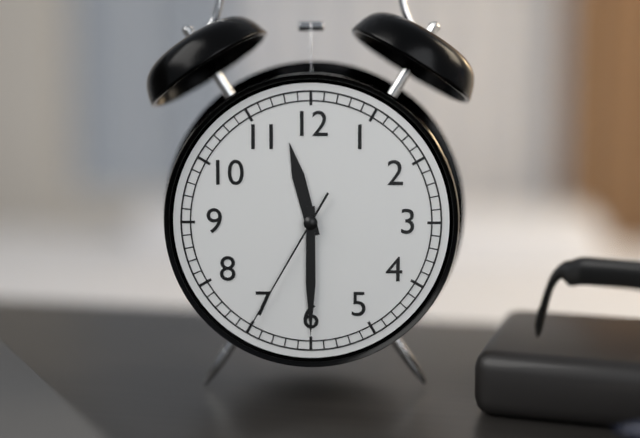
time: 11:30:35
